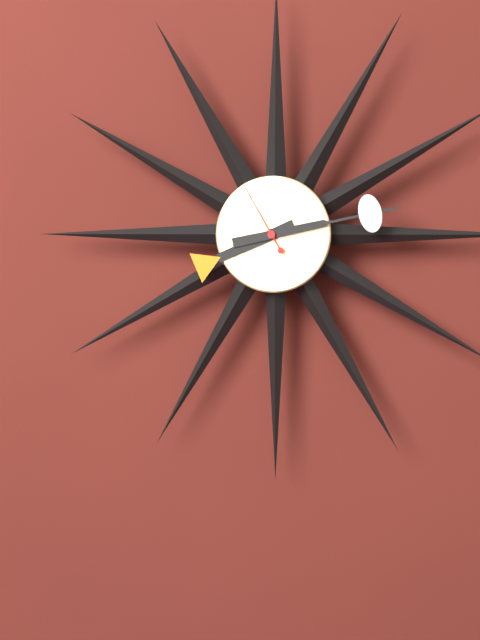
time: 8:13:55
